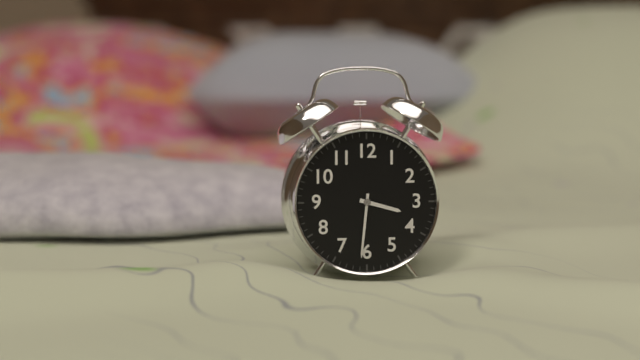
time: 3:31
